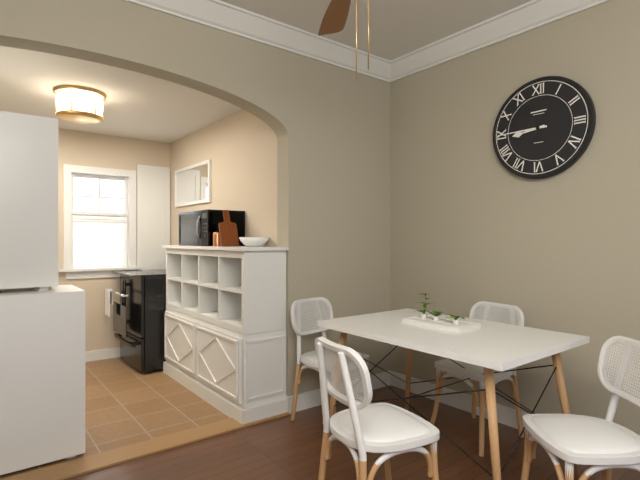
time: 8:45
